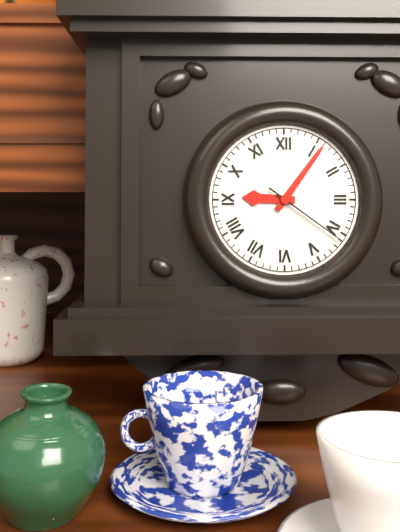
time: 9:06:21
